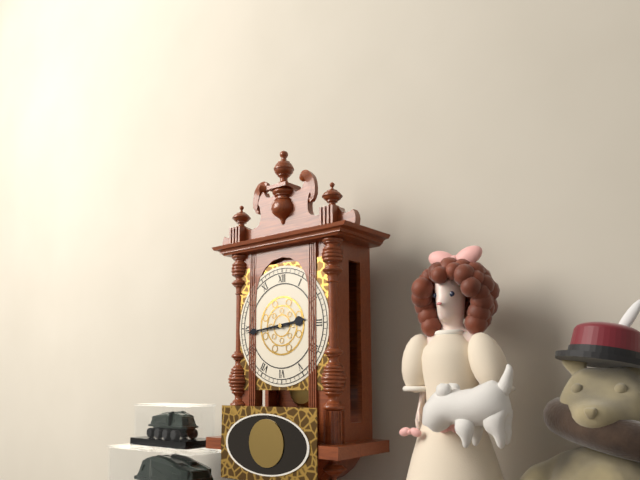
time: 2:44
